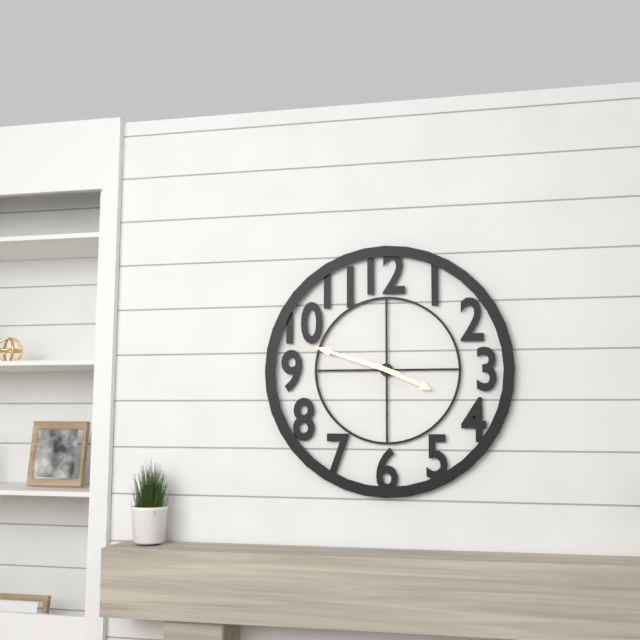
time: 3:48
